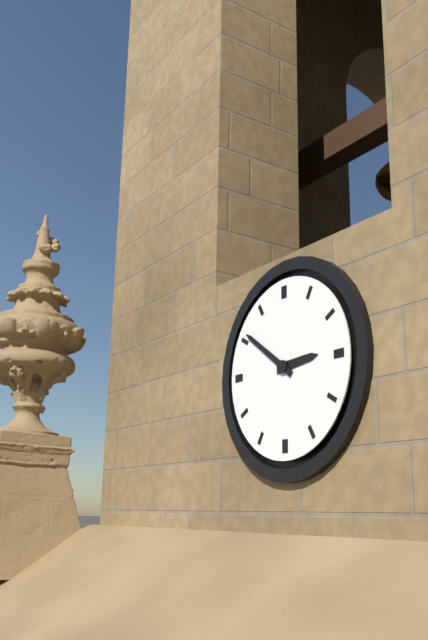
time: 2:51
